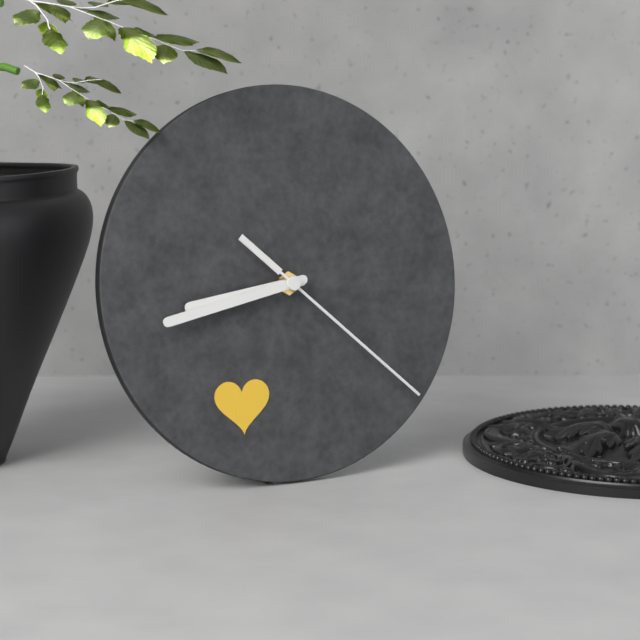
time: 8:43:22
